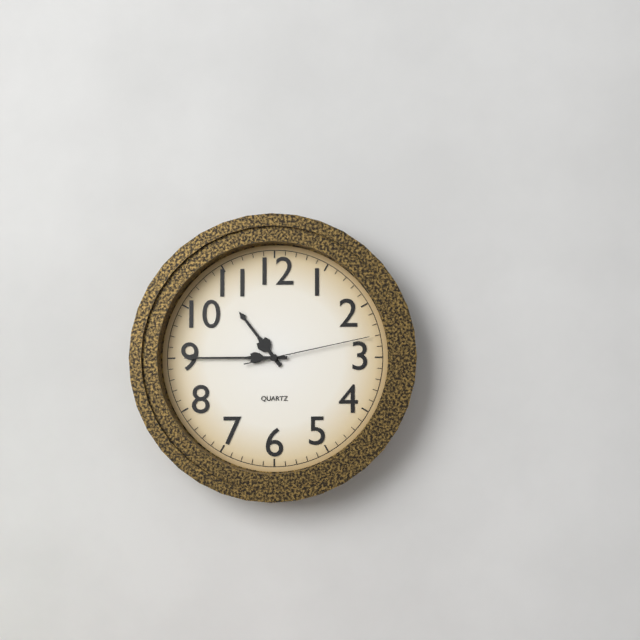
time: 10:45:13
